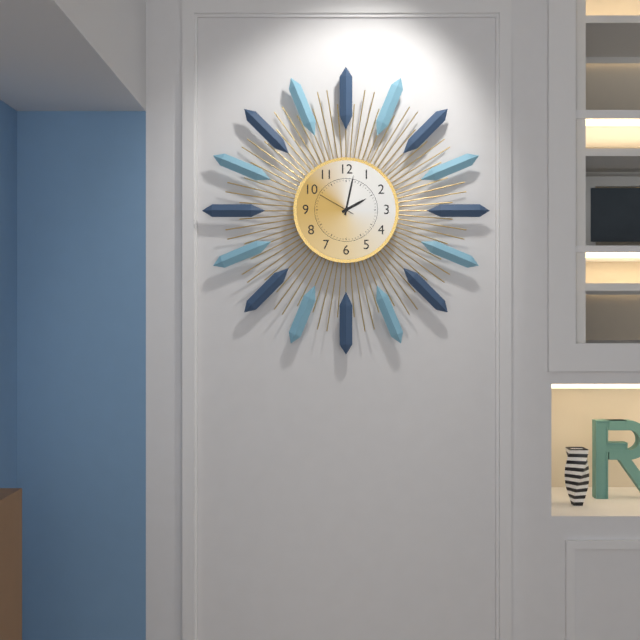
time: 2:02
